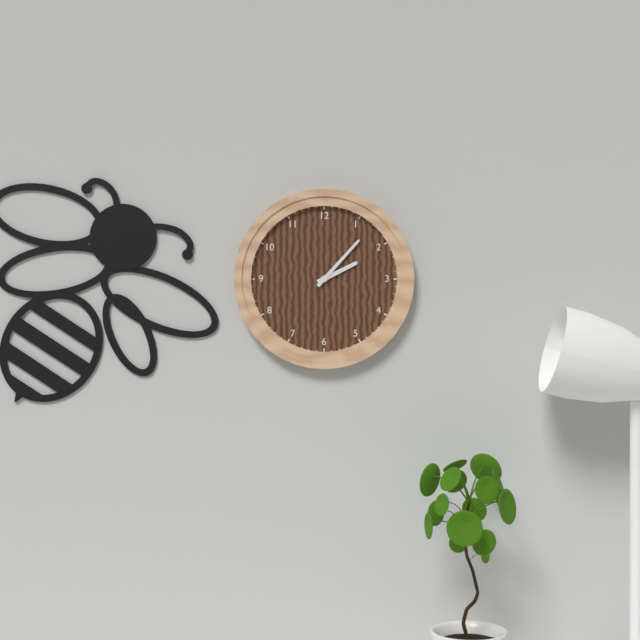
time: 2:07
